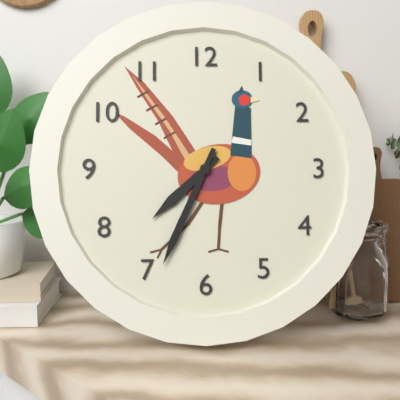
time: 7:34
